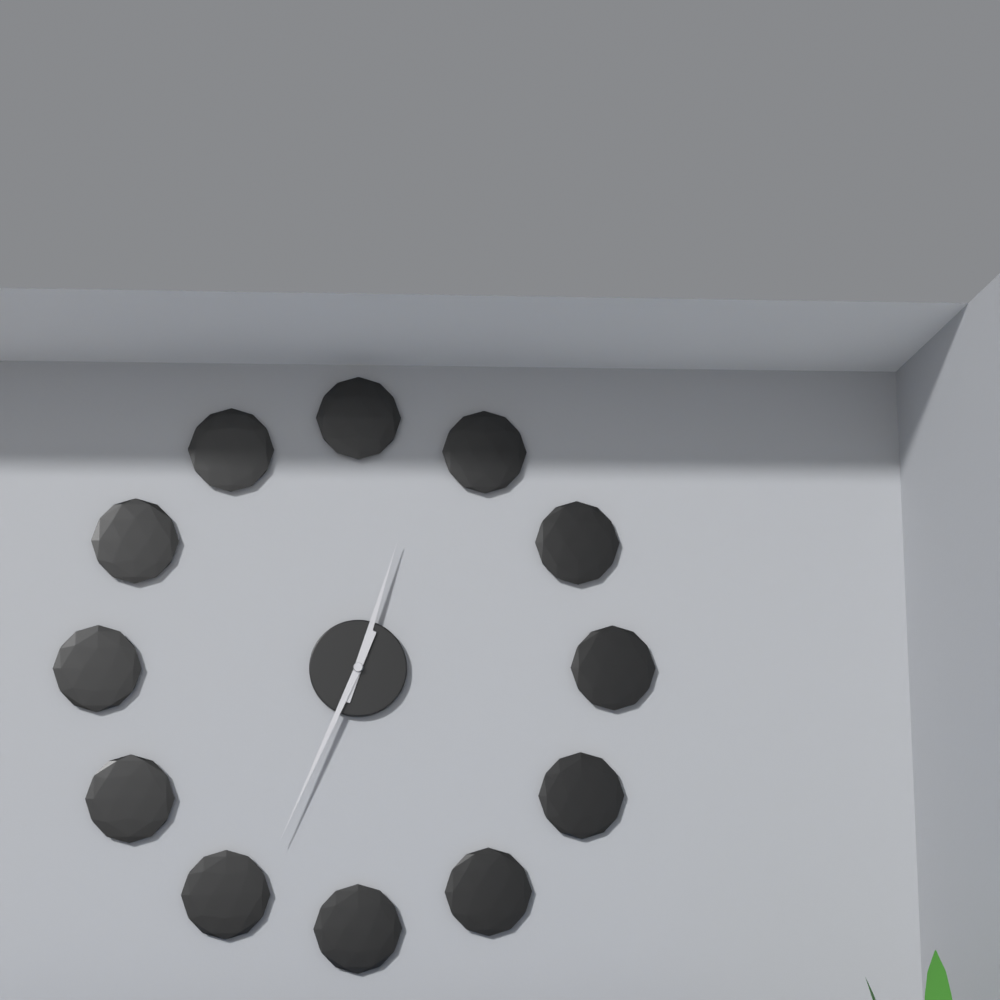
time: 12:34
